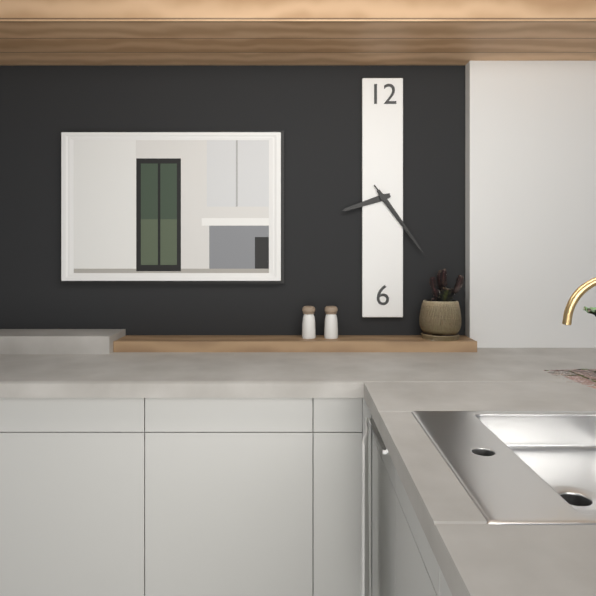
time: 8:24:24
